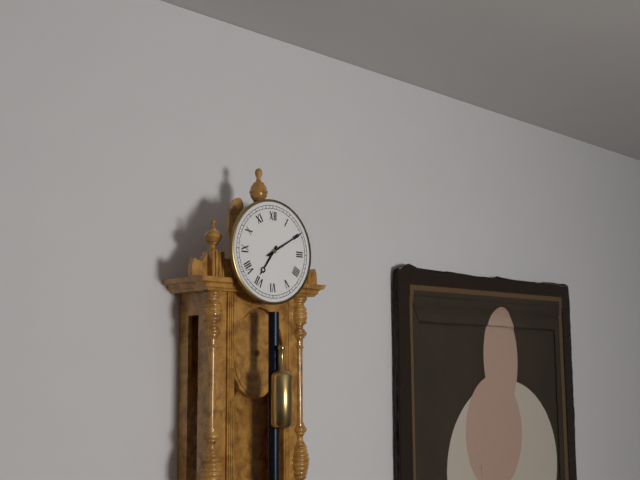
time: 7:10
